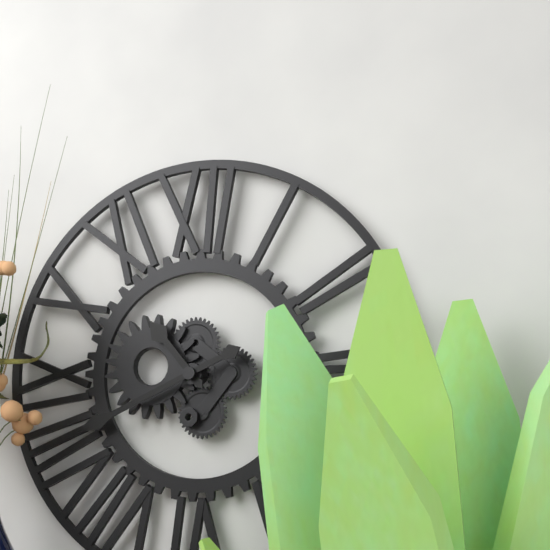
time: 10:41
